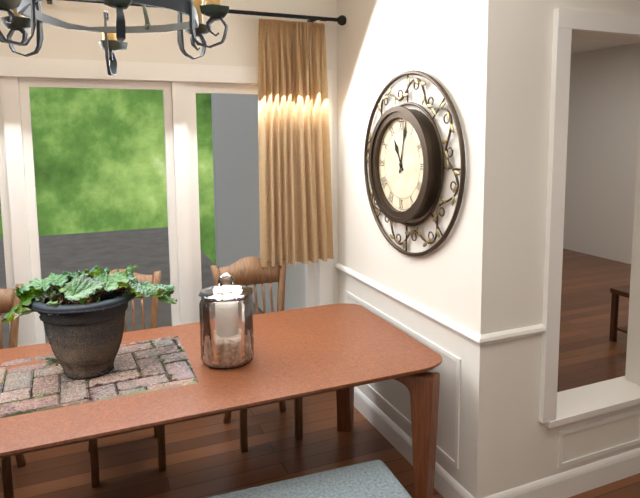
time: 11:02
